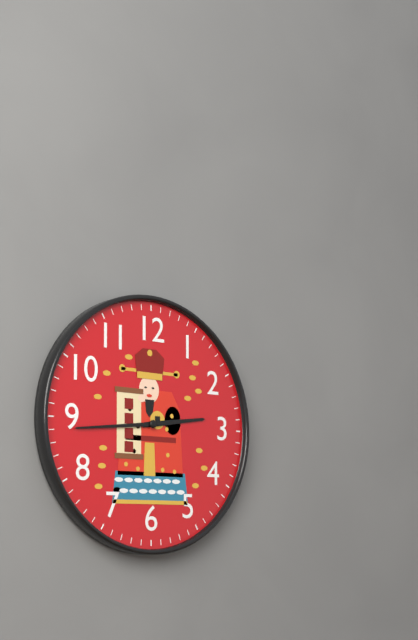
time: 2:44
